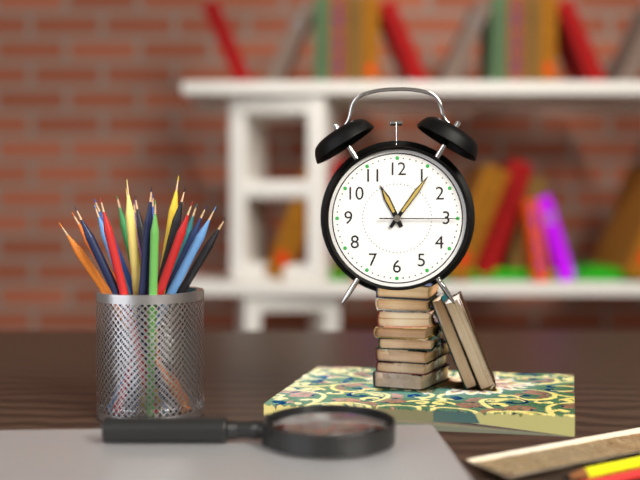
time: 11:06:15
